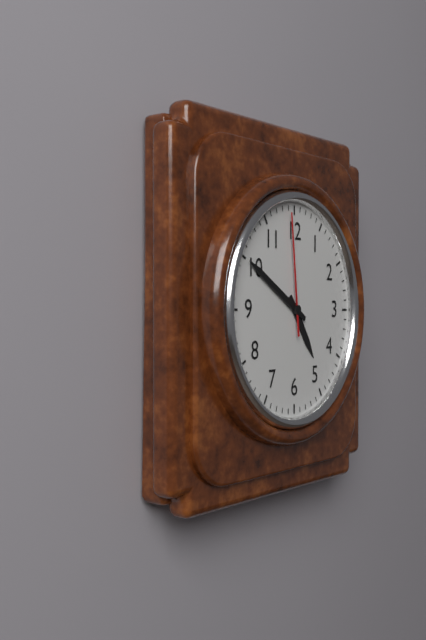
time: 4:50:59
